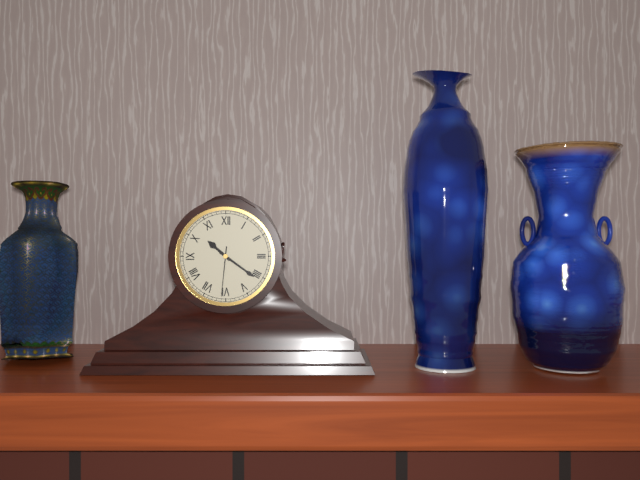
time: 10:21:31
